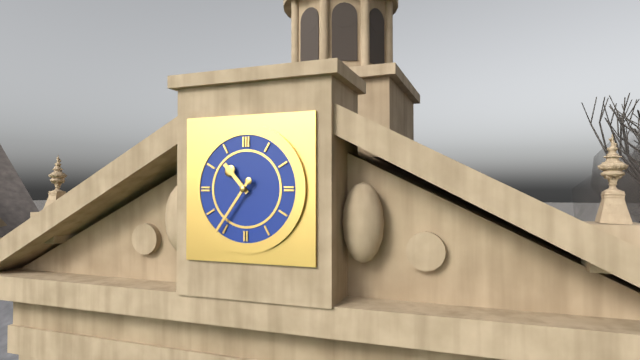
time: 10:36
